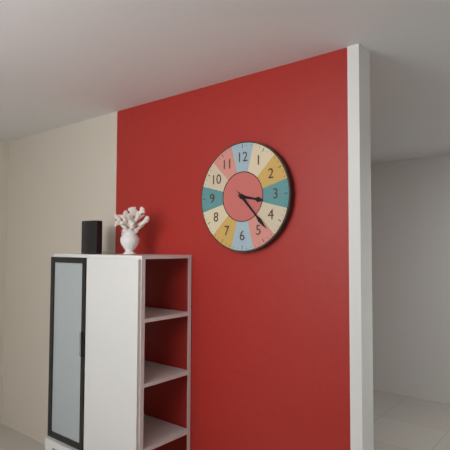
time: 3:23
